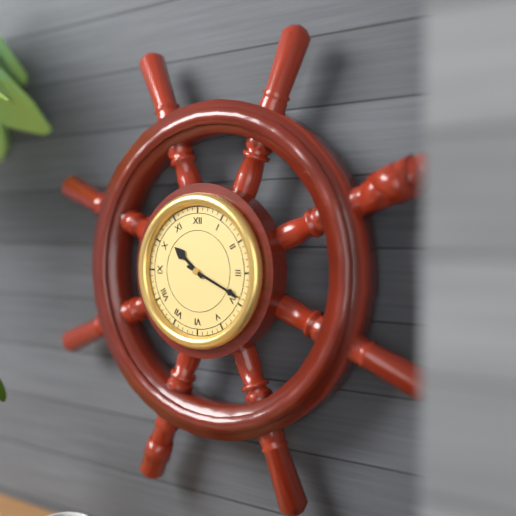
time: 10:19
